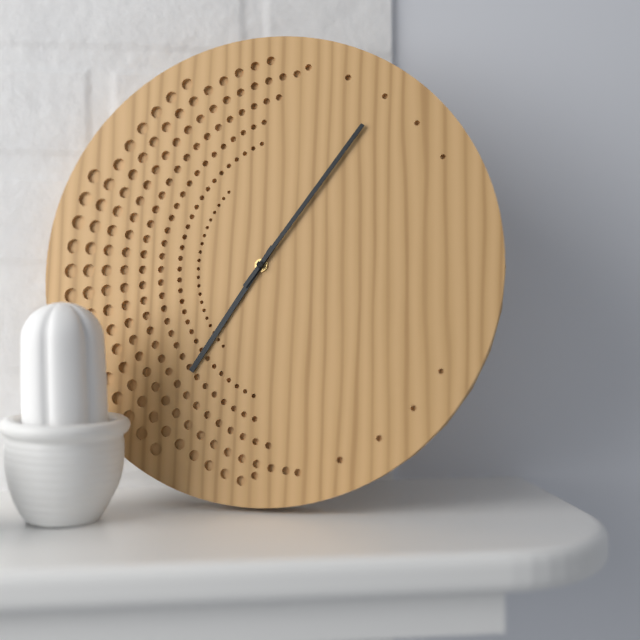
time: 7:06
